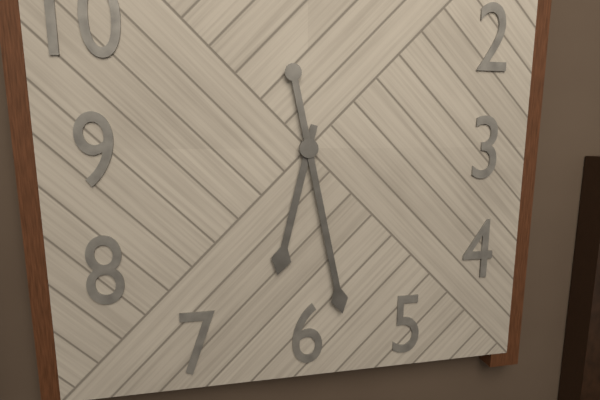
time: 6:28
